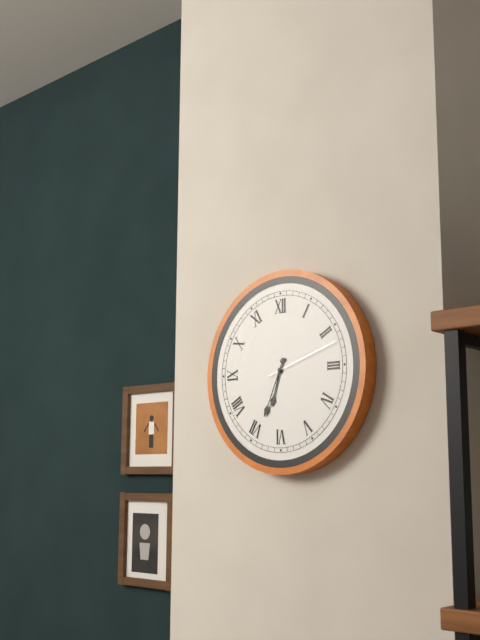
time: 6:34:12
